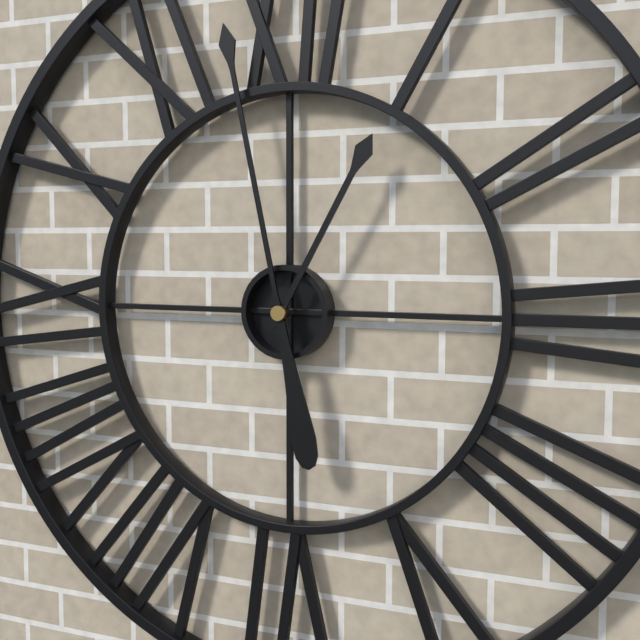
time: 12:58
